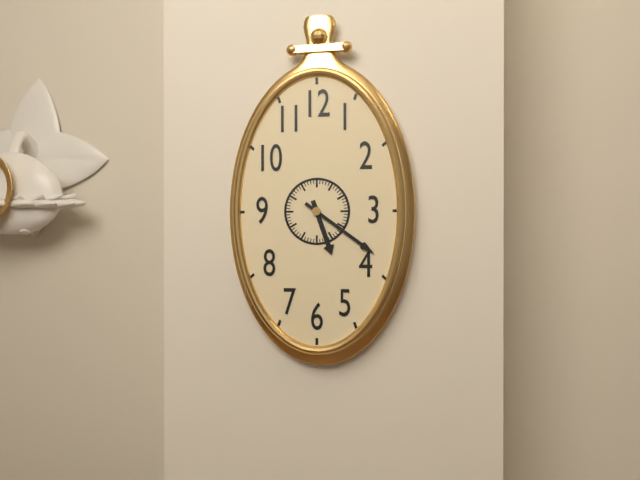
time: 5:21
